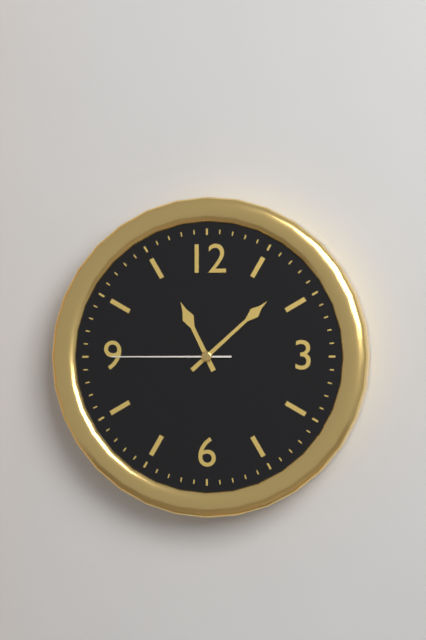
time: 11:08:45
